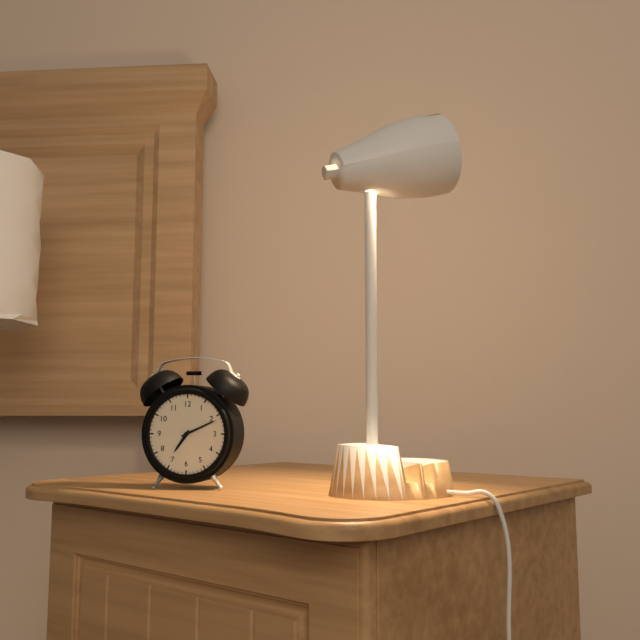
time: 7:11
